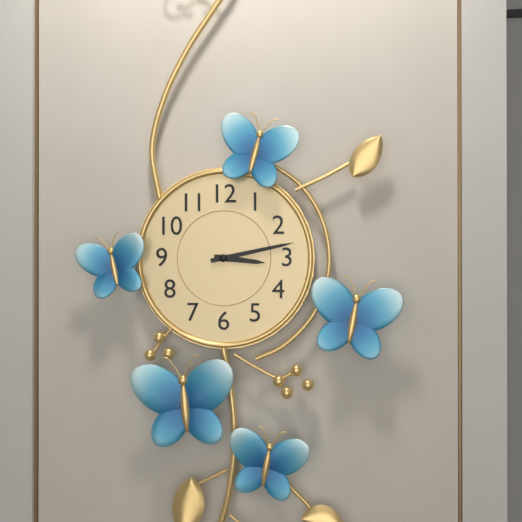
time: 3:13
